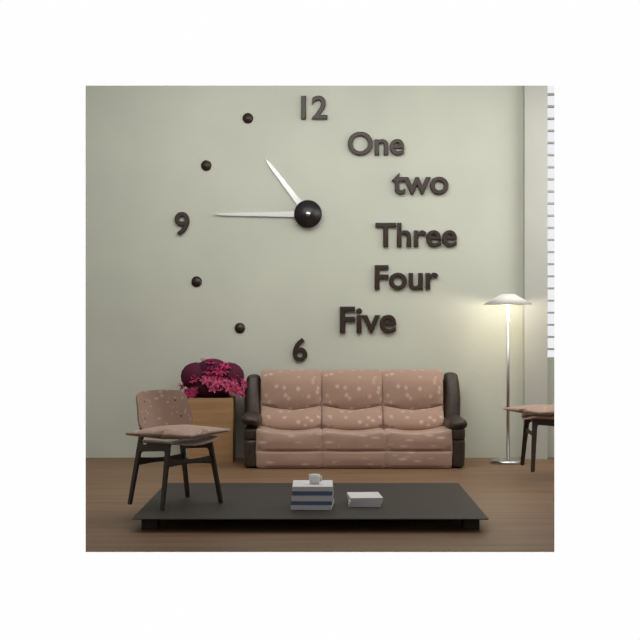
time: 10:45
